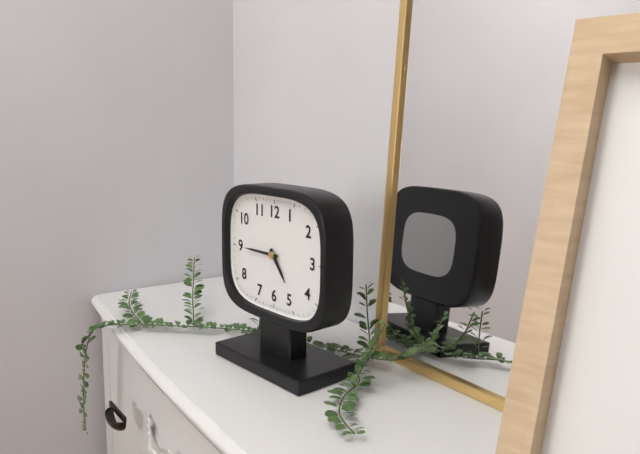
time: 4:45
